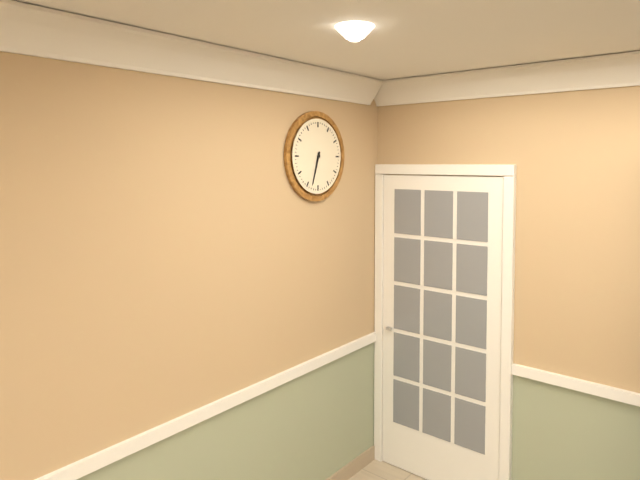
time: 6:33
